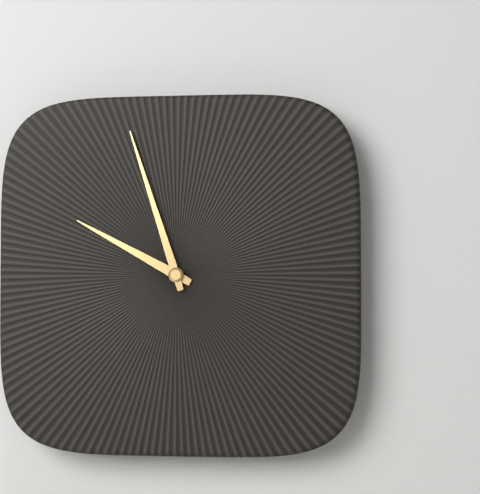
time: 9:57
